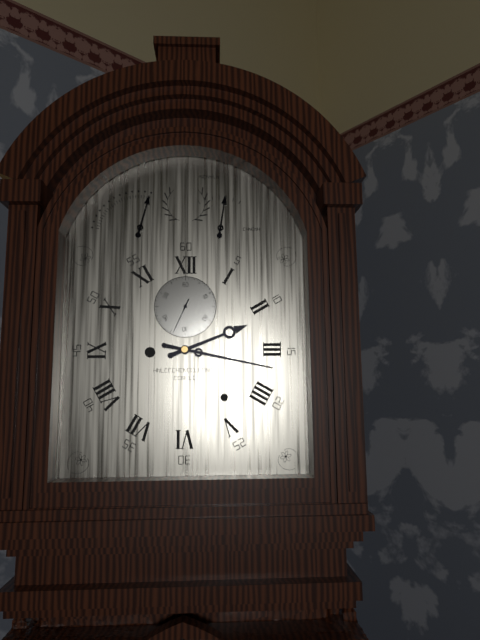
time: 2:17
